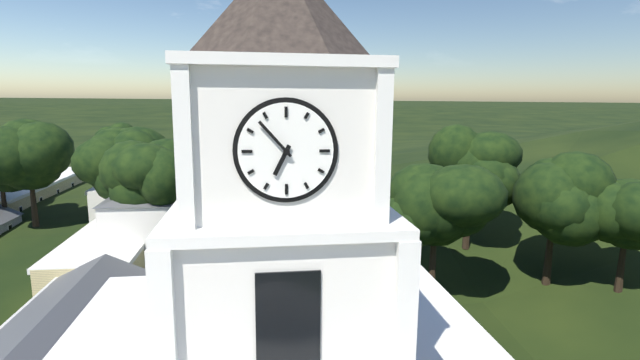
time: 6:53
